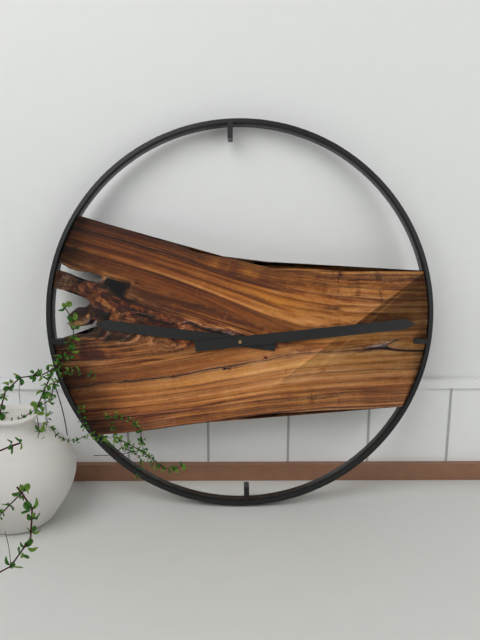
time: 9:14
